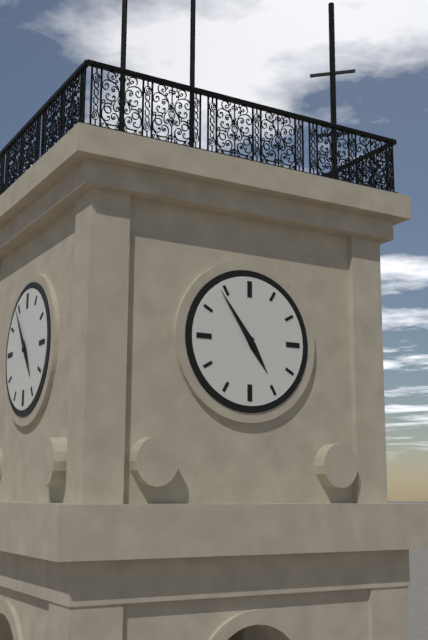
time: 4:54
